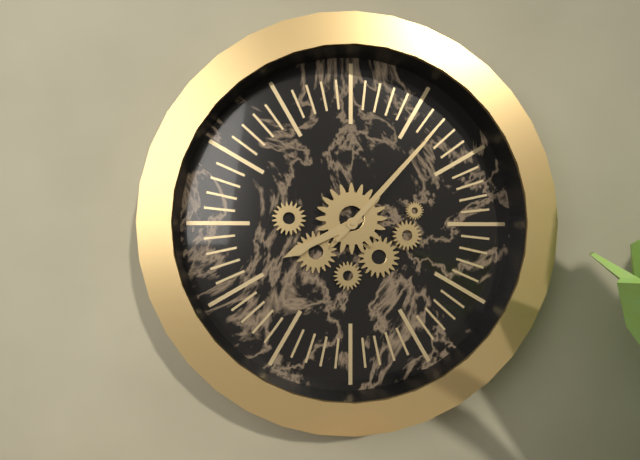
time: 8:07
